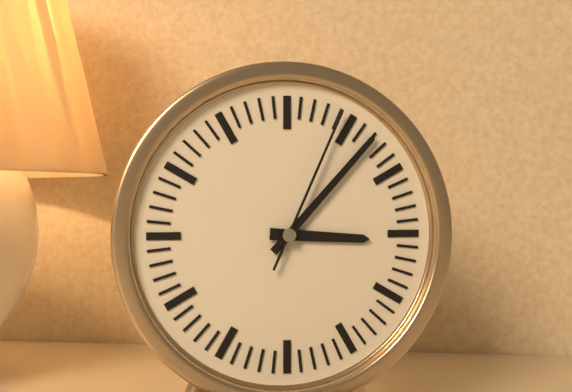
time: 3:07:04
